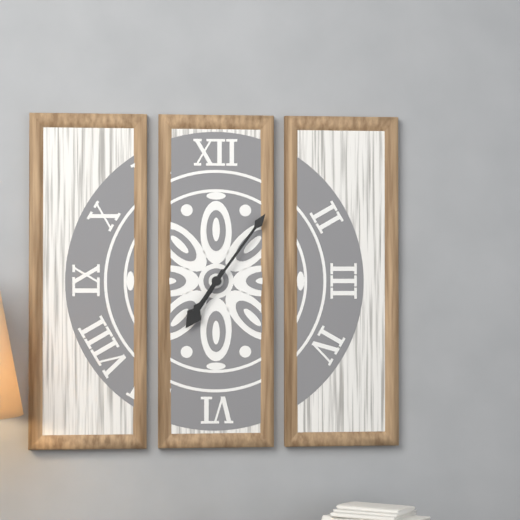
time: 7:06
